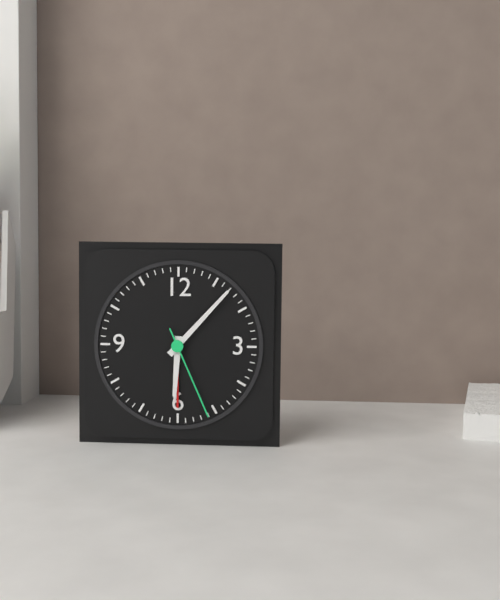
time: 6:07:26
